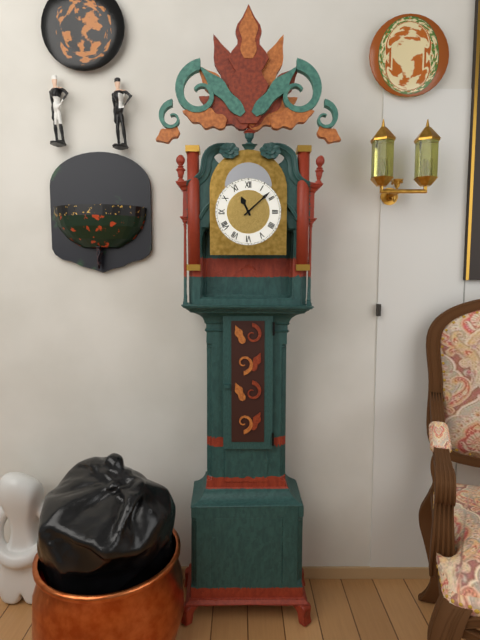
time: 11:08
